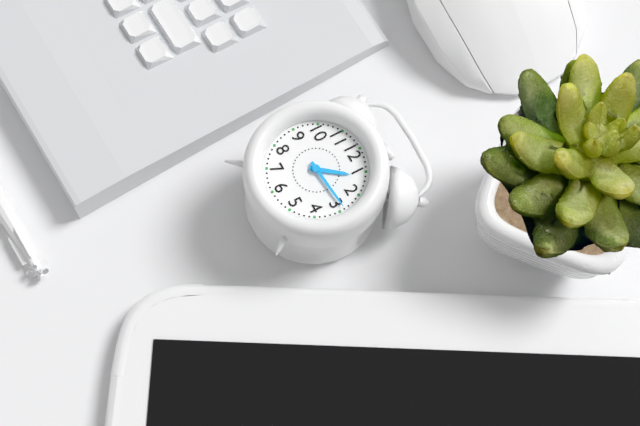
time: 1:14
